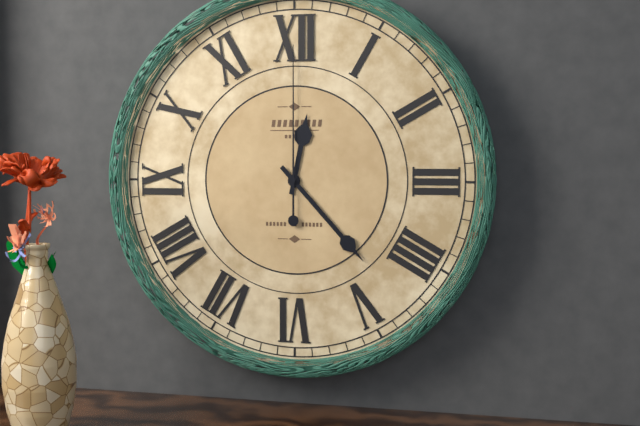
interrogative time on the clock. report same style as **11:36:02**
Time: **12:23:00**
